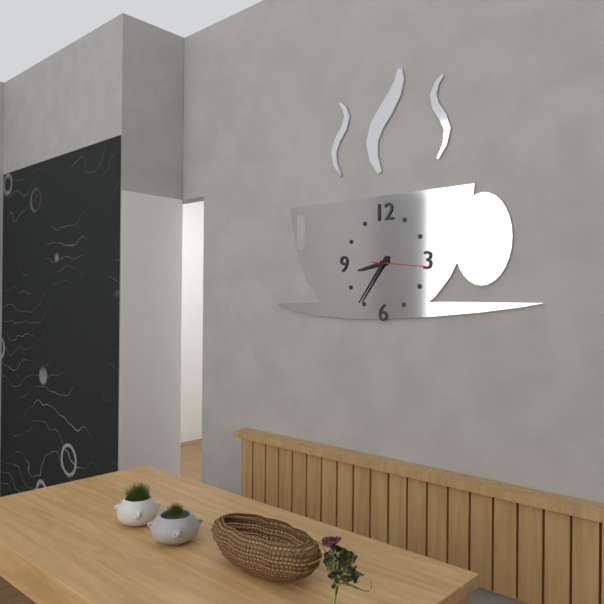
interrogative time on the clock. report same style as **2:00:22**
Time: **8:36:16**
